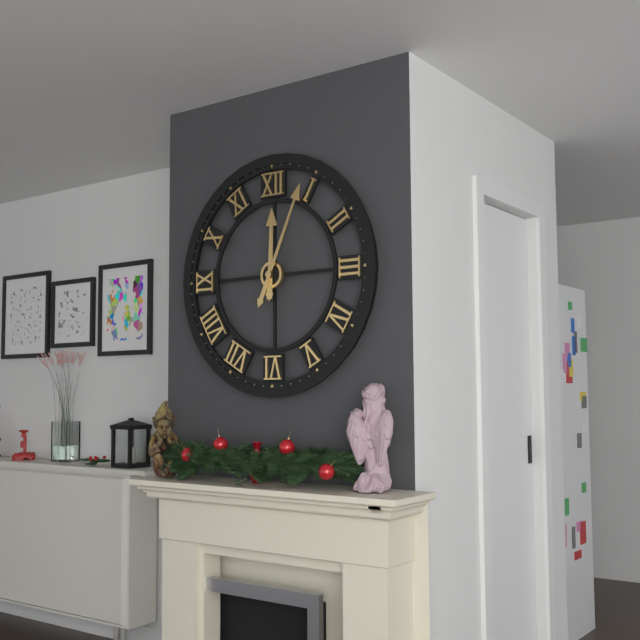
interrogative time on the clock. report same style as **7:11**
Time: **12:04**
